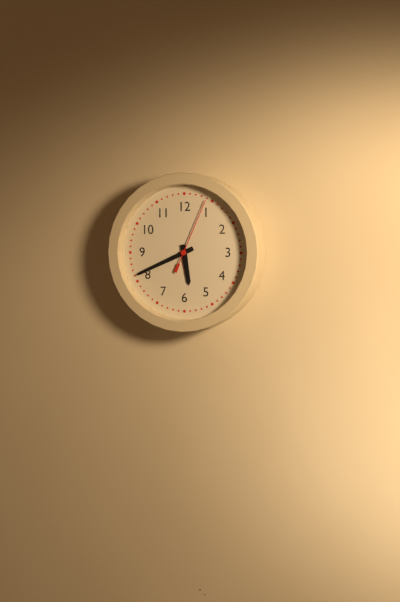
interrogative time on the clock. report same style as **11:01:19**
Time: **5:41:04**
